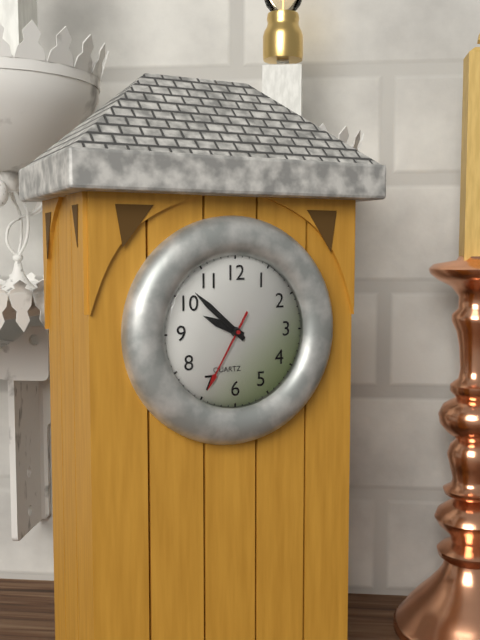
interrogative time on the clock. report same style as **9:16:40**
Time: **9:52:35**
